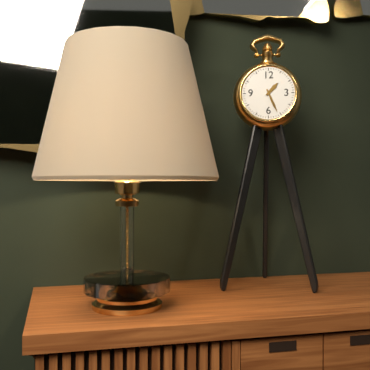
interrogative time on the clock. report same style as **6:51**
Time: **1:26**
